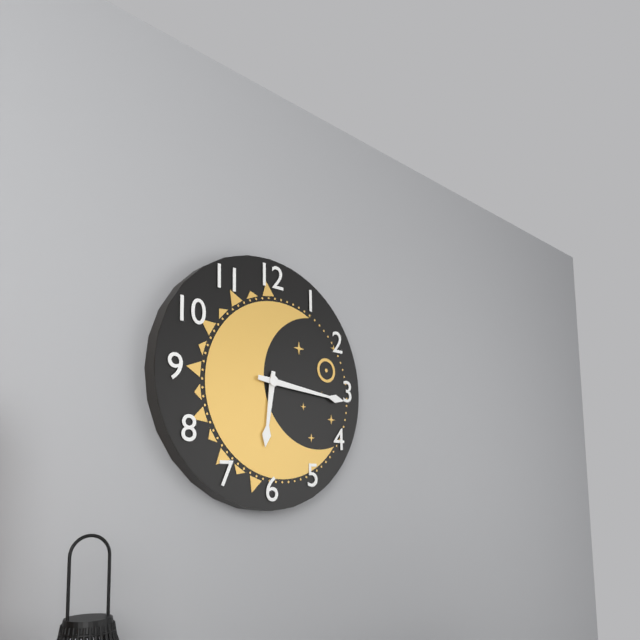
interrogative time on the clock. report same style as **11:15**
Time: **6:16**
